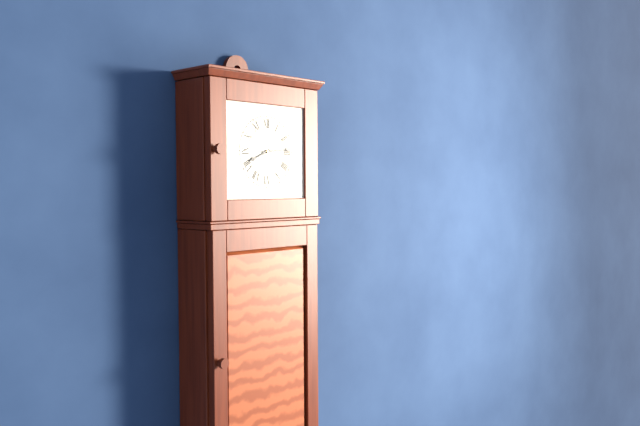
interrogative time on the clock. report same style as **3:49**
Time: **8:14**
